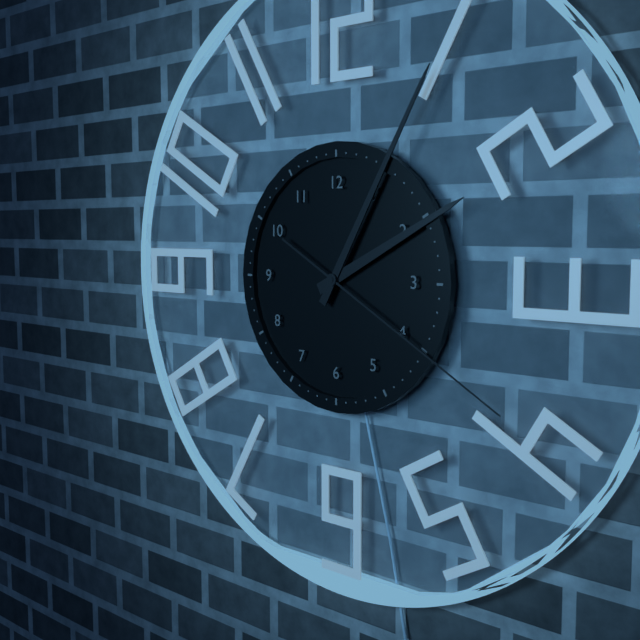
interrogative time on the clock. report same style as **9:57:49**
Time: **2:05:20**
